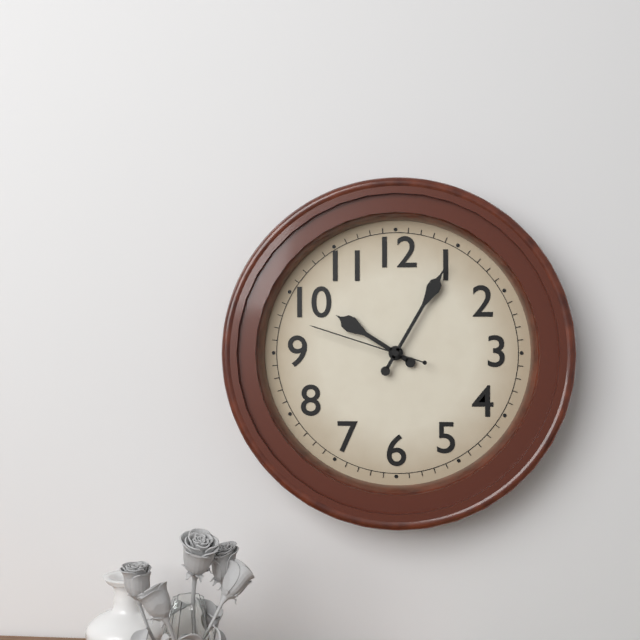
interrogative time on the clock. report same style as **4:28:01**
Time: **10:05:48**
